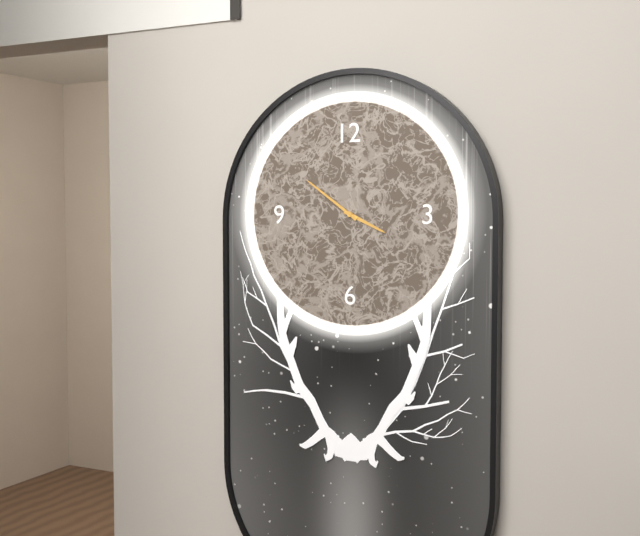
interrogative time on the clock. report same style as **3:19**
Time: **3:51**
